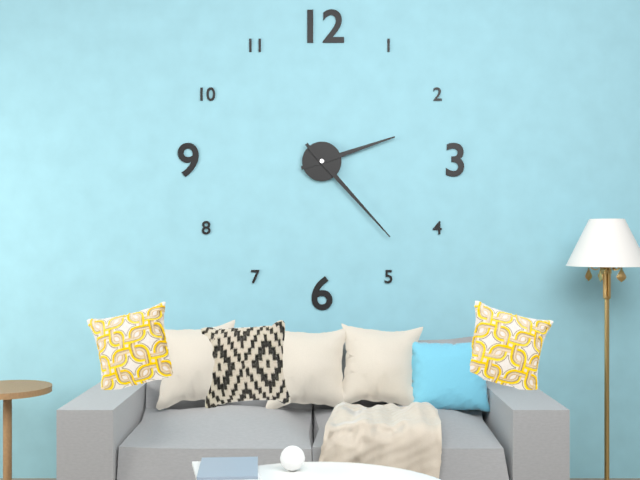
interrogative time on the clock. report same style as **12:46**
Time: **2:23**
